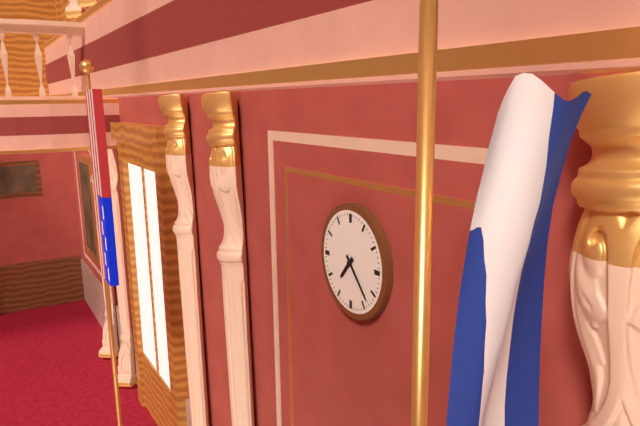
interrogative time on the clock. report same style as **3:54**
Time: **7:23**
